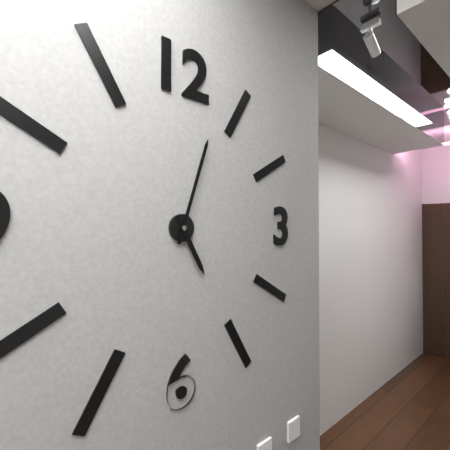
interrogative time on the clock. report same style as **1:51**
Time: **5:03**
